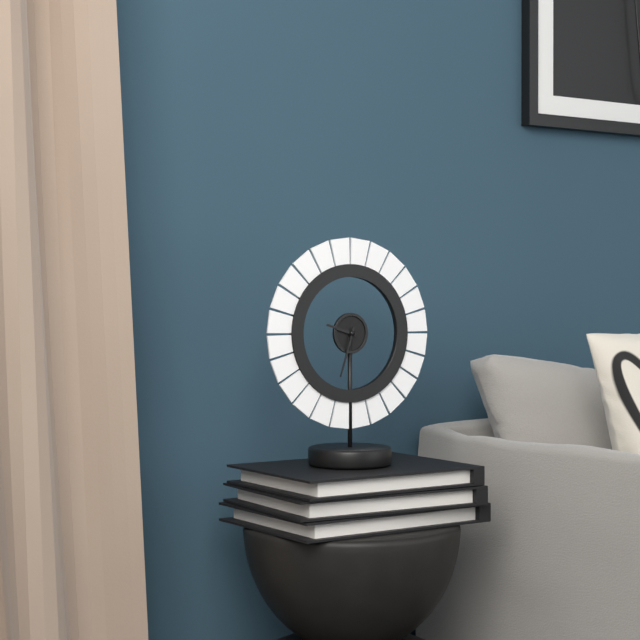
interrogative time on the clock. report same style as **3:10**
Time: **9:33**
